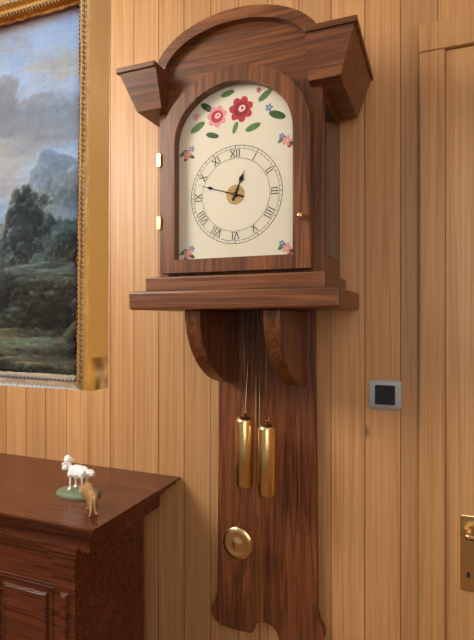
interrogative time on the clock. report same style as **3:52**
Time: **12:48**
